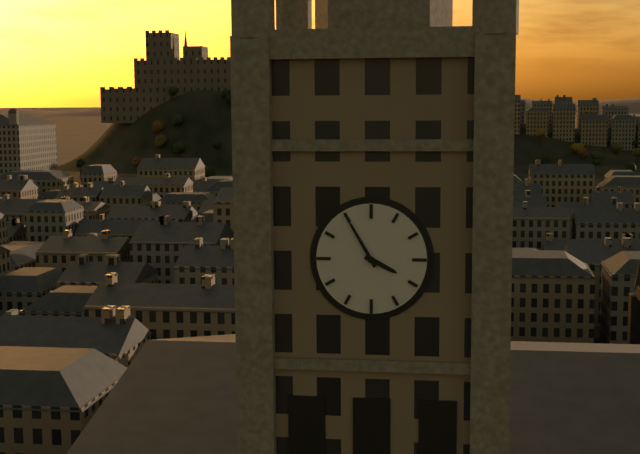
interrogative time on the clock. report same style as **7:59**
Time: **3:55**
